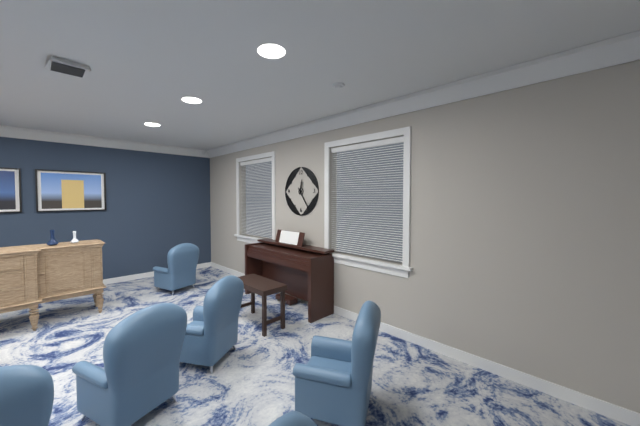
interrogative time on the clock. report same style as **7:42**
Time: **12:24**
